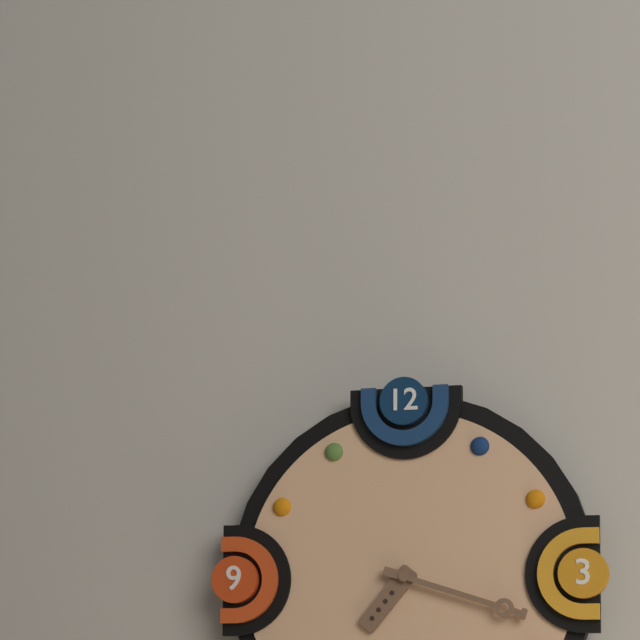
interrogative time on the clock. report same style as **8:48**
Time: **7:18**
